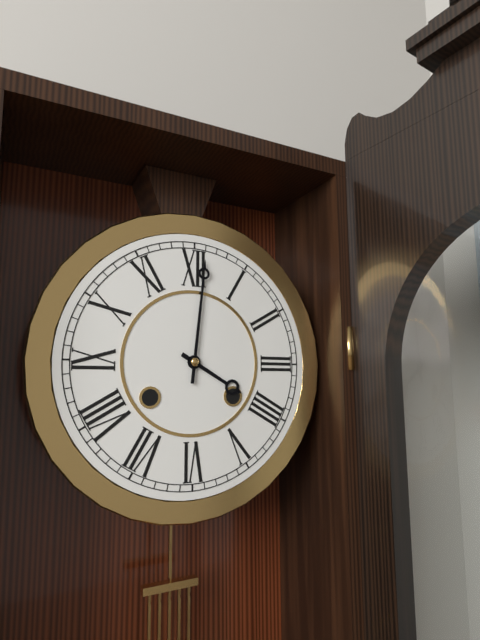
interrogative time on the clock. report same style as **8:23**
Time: **4:01**
